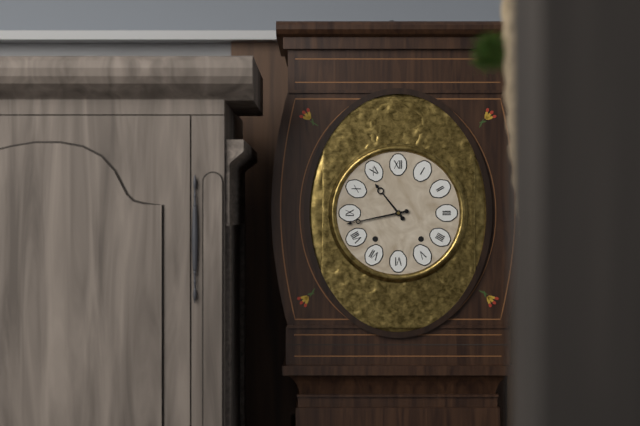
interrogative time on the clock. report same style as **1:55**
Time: **10:43**
